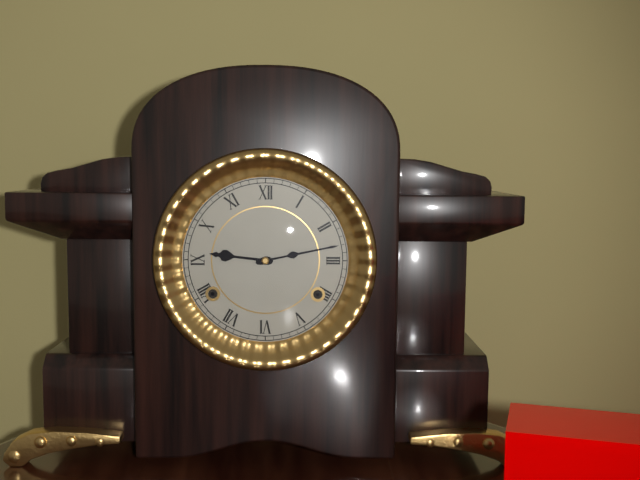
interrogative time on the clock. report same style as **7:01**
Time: **9:13**
